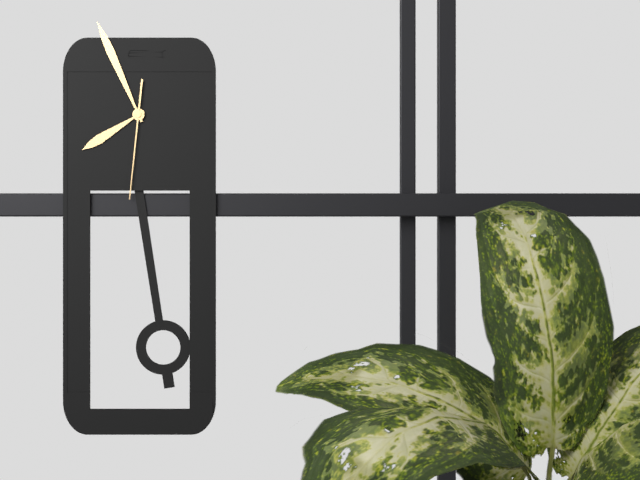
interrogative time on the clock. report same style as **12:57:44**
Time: **7:56:31**
